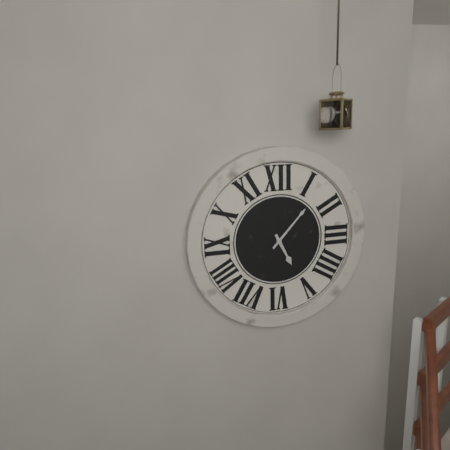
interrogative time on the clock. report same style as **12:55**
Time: **5:07**
